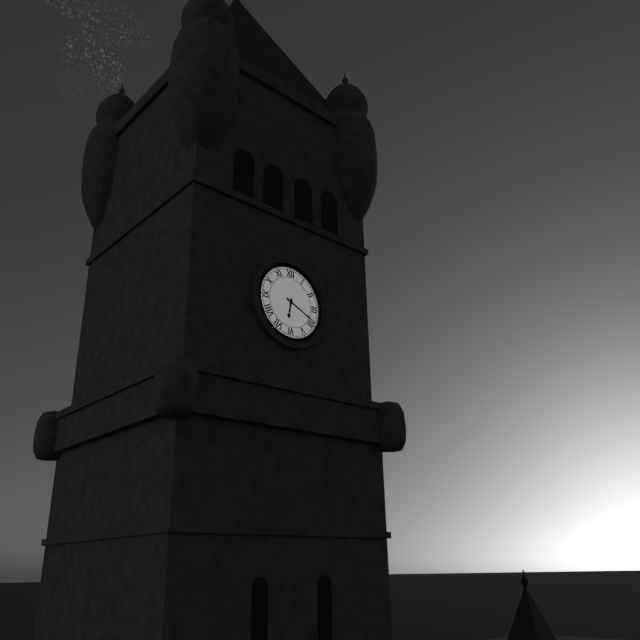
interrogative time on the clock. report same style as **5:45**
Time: **6:19**
